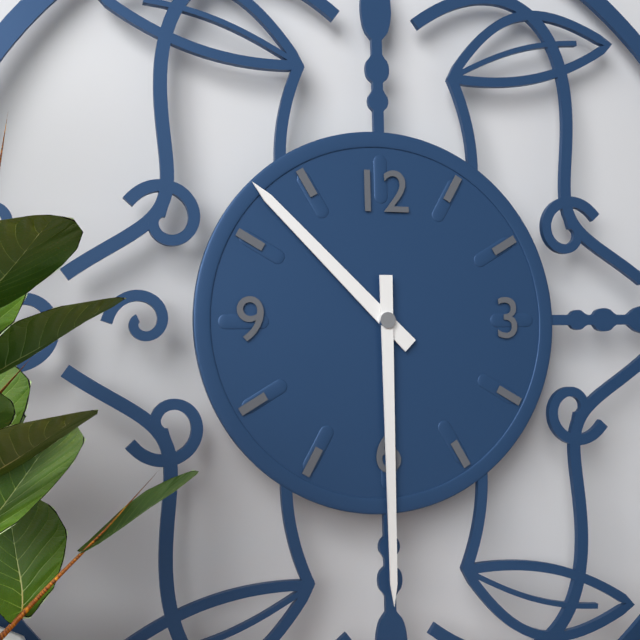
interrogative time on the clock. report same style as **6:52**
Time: **10:30**
